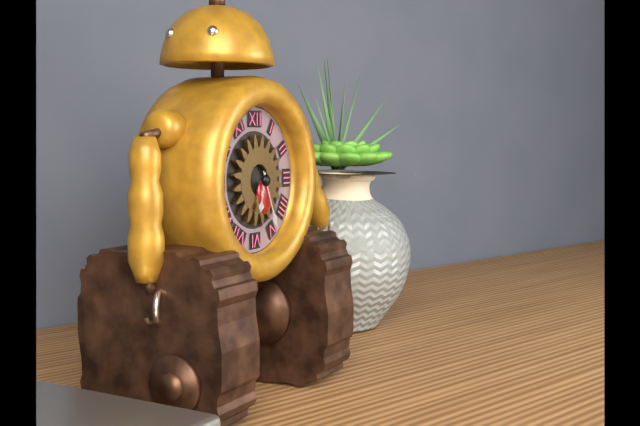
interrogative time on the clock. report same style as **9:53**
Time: **6:26**
